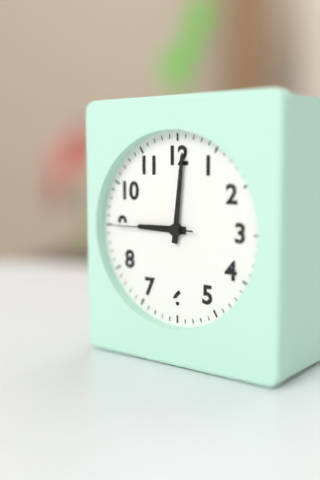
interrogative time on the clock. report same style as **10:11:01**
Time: **9:01:45**
